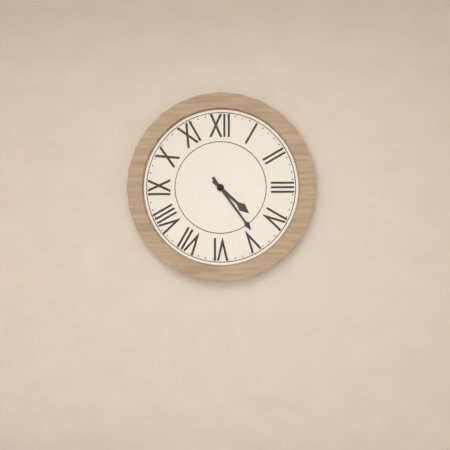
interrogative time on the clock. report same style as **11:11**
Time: **4:24**
